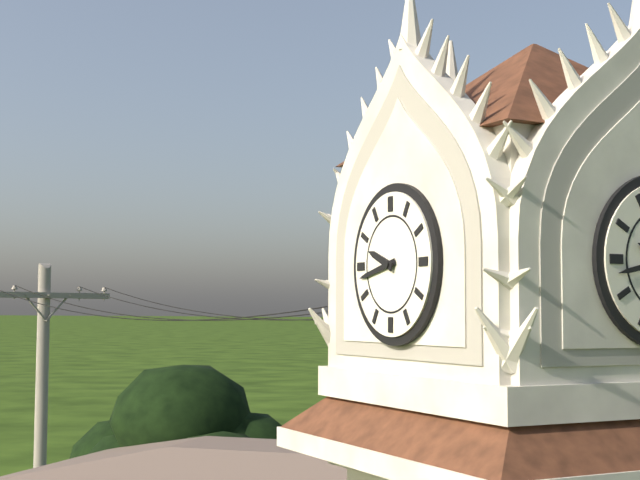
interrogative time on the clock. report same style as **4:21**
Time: **9:43**
